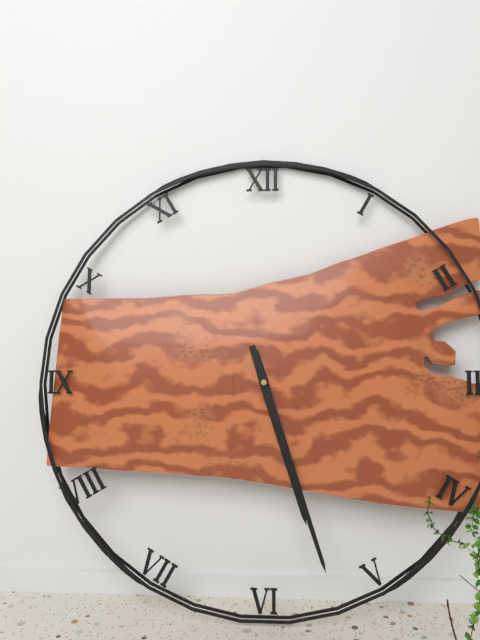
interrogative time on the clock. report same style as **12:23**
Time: **5:27**
